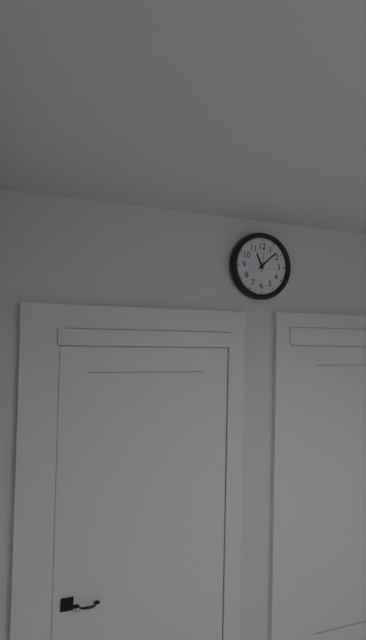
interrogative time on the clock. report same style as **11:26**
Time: **11:08**
